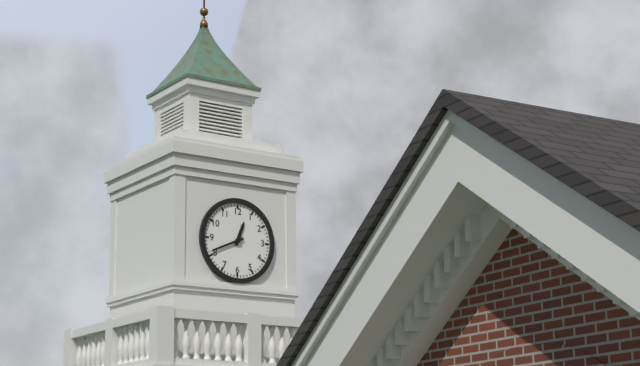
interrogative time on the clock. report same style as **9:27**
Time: **12:41**
